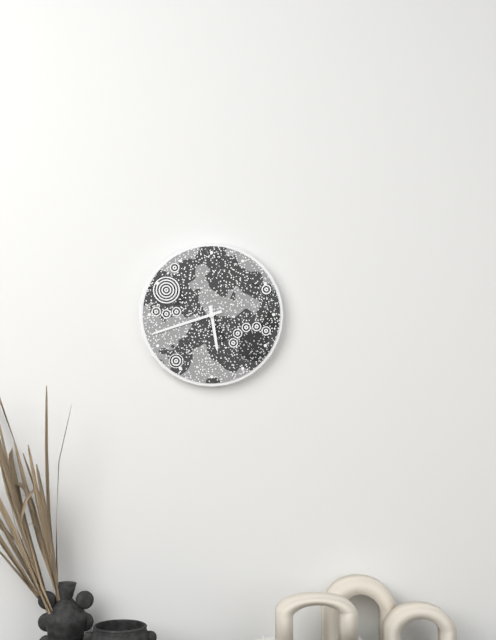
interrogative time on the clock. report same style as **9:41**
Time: **5:42**
